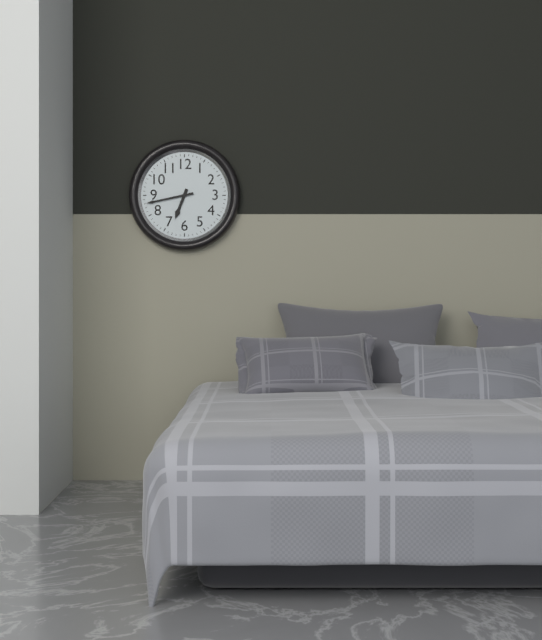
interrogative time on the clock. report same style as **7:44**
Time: **6:43**
